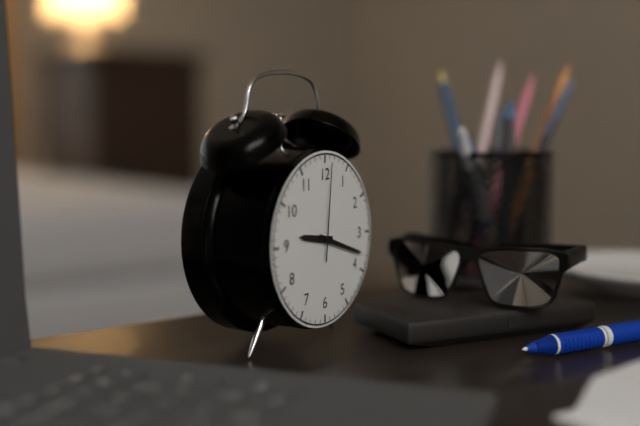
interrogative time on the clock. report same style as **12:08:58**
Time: **9:18:01**
